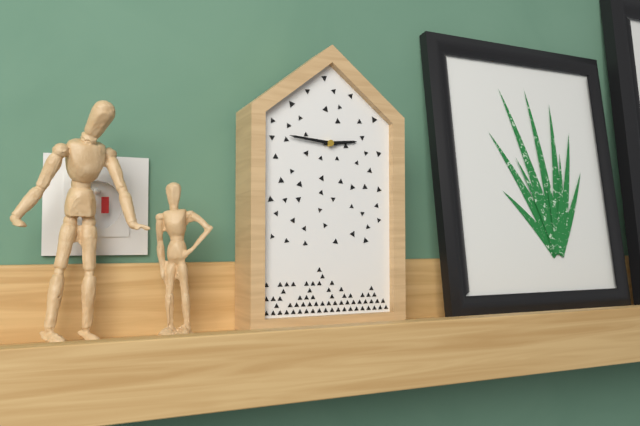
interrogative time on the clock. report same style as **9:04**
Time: **2:46**
